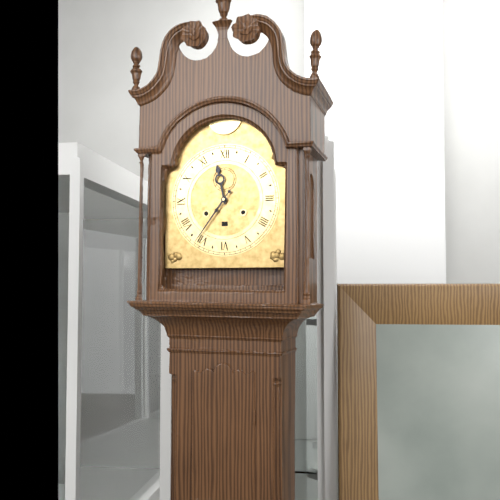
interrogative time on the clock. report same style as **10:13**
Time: **11:36**
